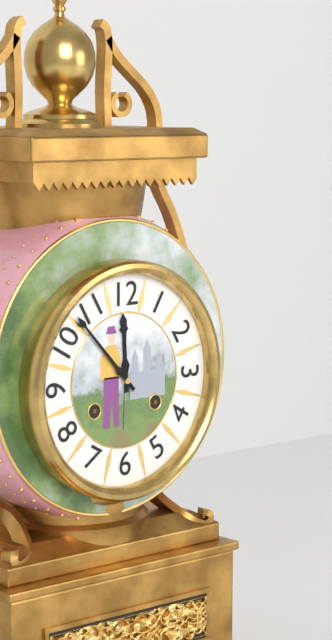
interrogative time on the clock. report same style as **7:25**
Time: **11:53**
